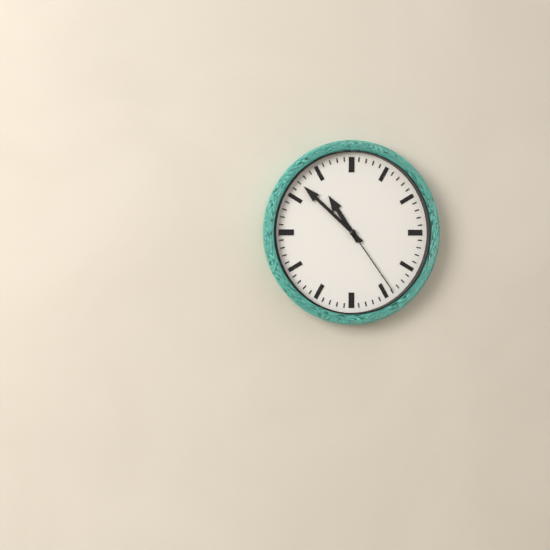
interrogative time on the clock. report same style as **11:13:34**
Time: **10:52:24**
